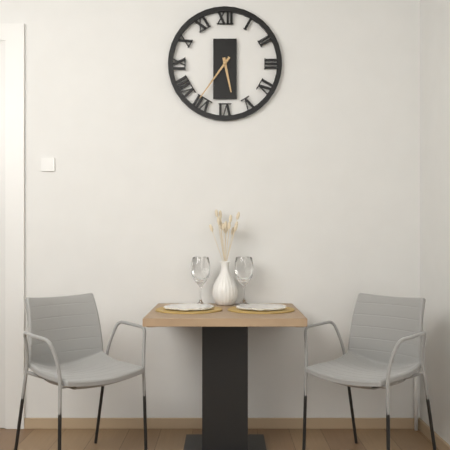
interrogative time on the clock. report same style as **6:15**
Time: **5:36**
